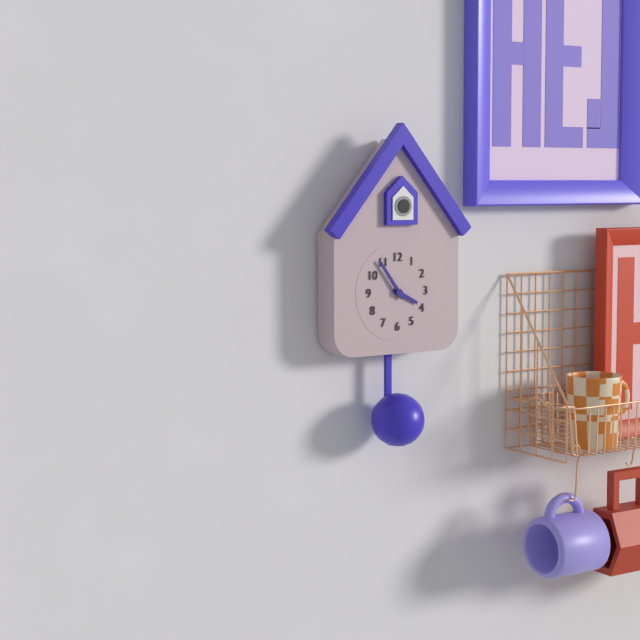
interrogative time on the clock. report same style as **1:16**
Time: **3:54**
